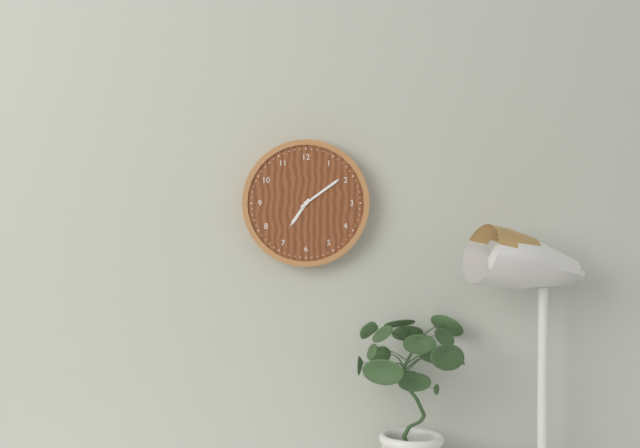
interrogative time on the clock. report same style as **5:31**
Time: **7:09**
